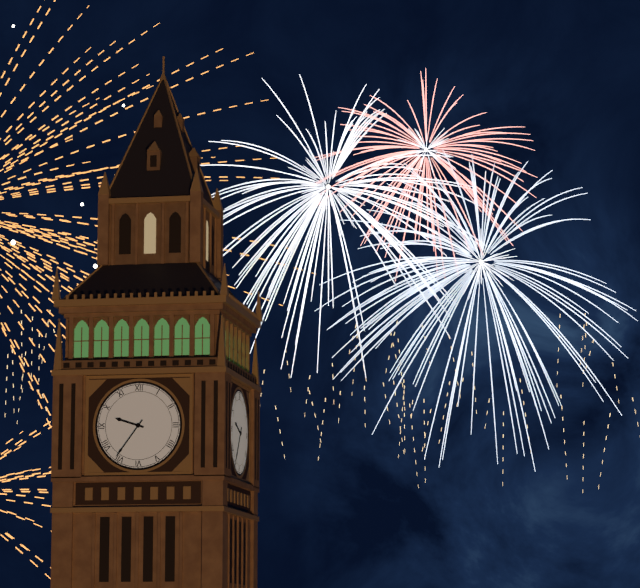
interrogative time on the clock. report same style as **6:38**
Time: **9:36**
